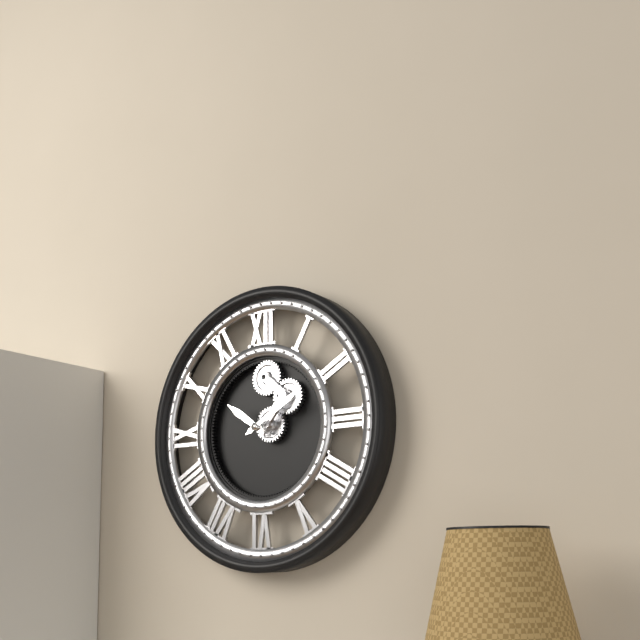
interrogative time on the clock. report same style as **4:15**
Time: **10:10**
